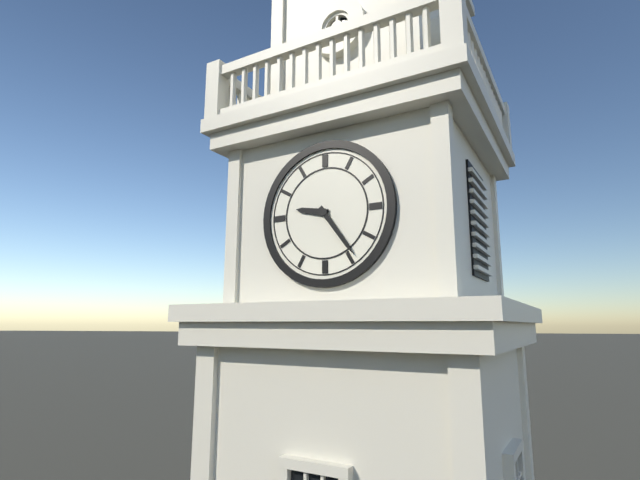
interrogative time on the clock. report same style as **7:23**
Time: **9:24**
